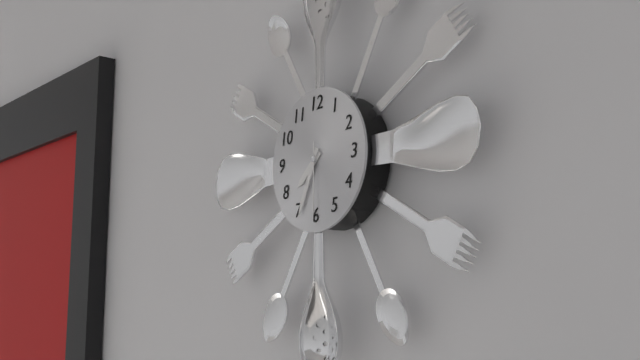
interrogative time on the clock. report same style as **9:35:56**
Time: **7:34:30**
